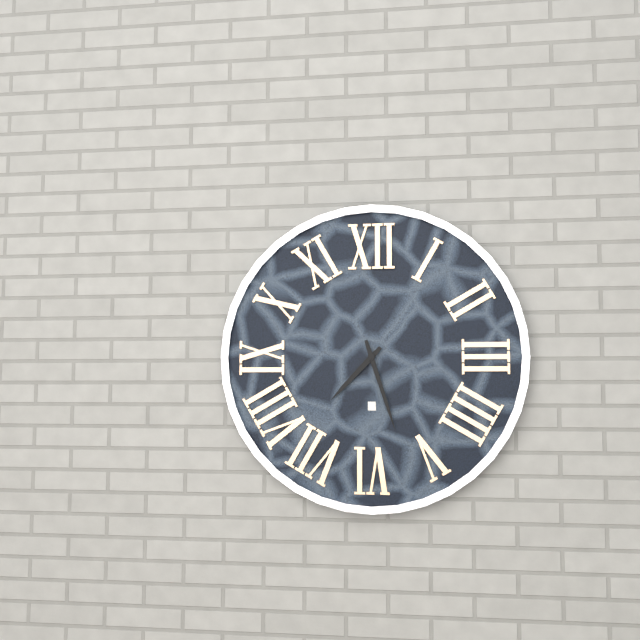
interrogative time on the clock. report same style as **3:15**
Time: **7:27**
